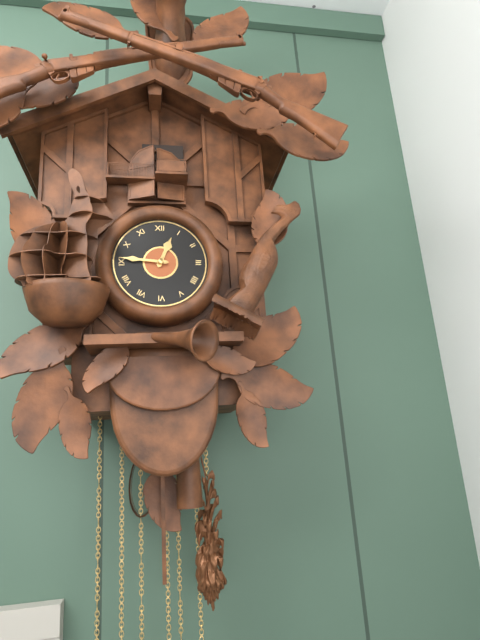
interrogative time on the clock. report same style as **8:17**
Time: **12:46**
